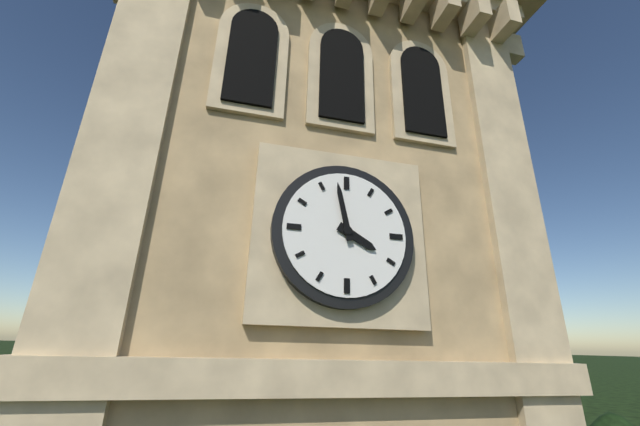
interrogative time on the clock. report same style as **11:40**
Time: **3:58**
